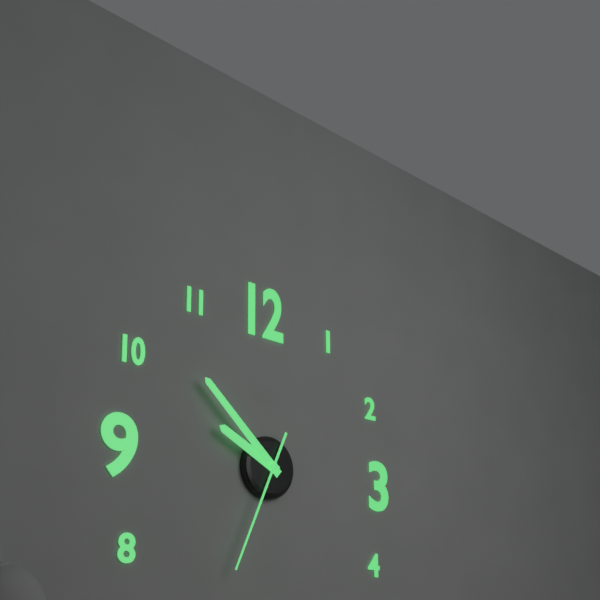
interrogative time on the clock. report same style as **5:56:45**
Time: **9:52:34**
